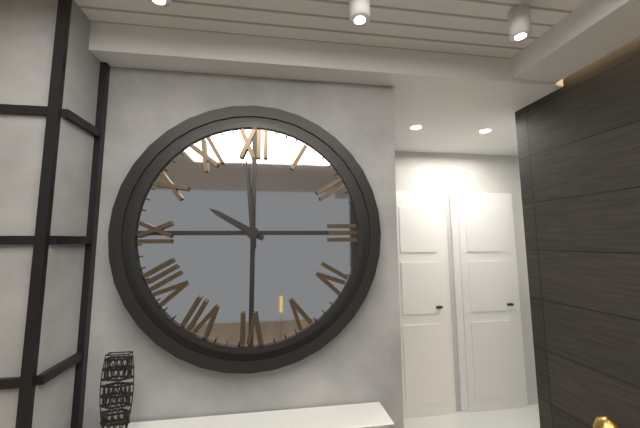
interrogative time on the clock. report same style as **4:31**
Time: **9:59**
